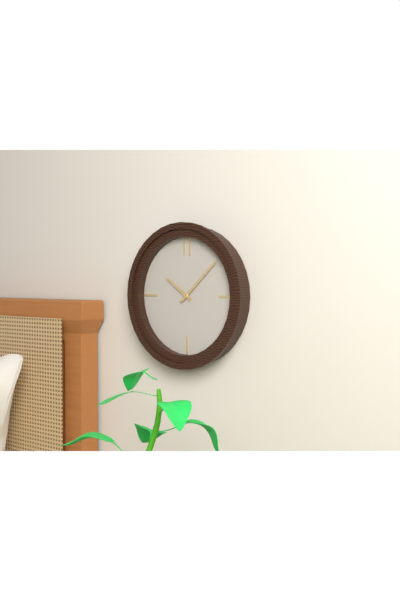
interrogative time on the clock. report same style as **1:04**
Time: **10:08**
